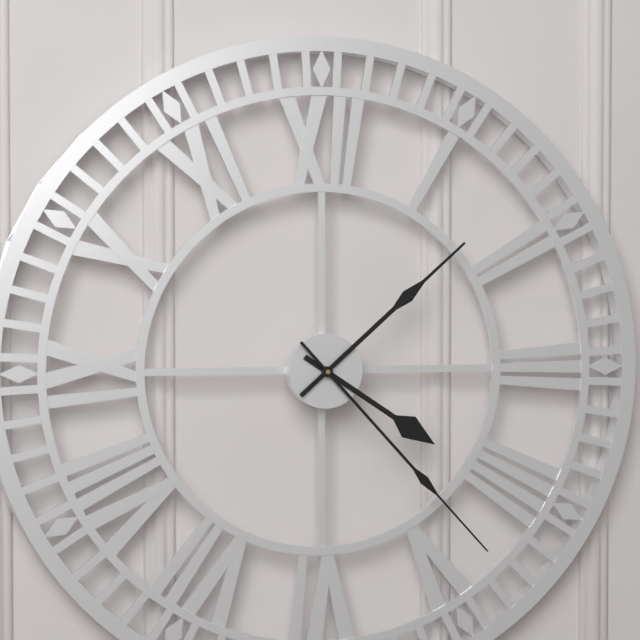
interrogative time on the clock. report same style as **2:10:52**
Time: **4:08:23**
